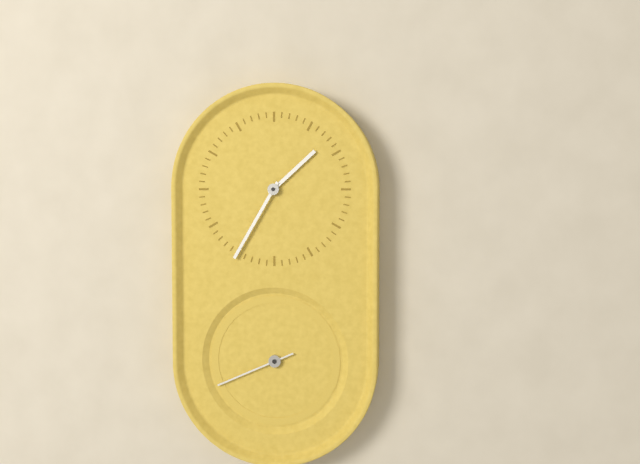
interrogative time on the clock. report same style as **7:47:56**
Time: **1:35:41**
